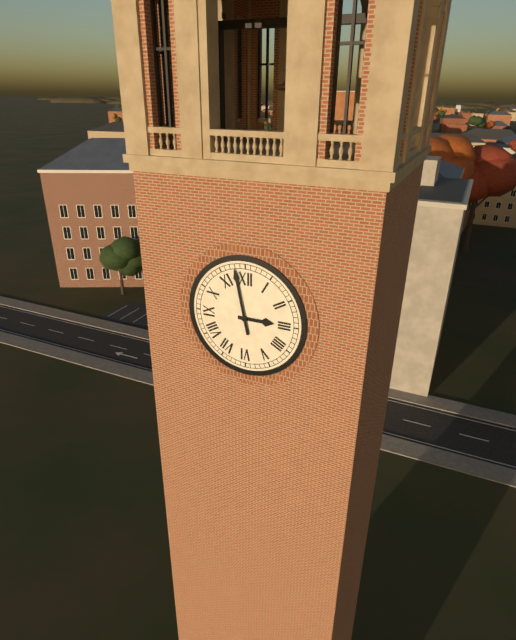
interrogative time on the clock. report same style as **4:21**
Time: **2:58**
